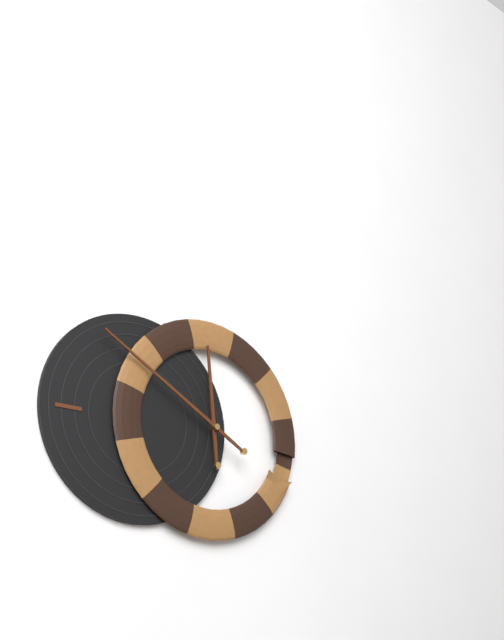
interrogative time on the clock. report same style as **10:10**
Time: **11:50**
